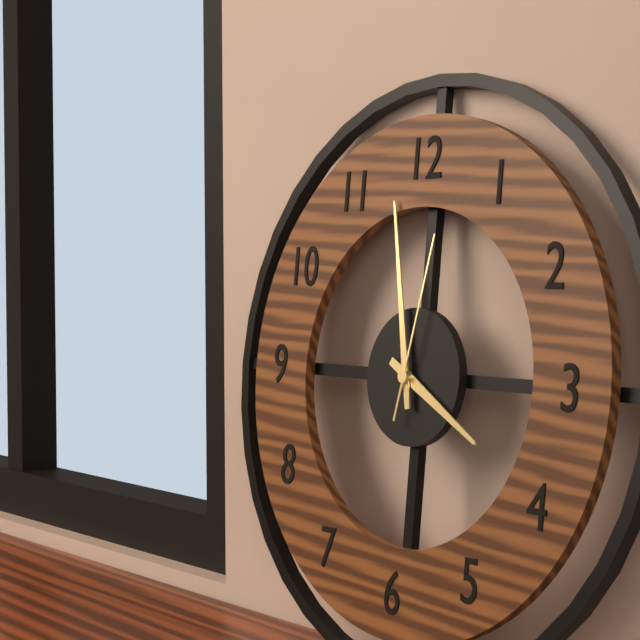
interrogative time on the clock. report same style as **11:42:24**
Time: **3:58:02**
